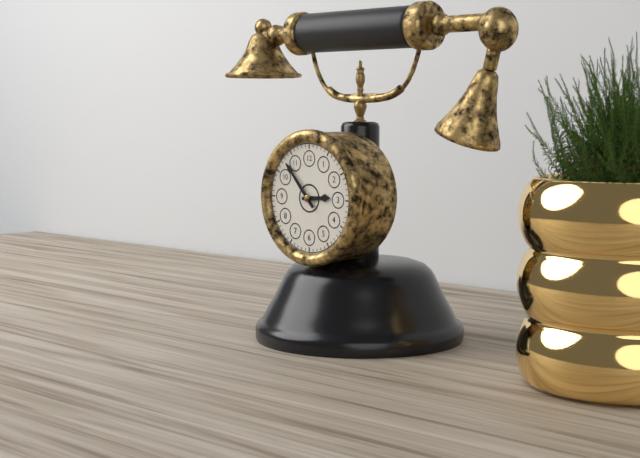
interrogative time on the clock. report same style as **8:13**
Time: **2:53**
